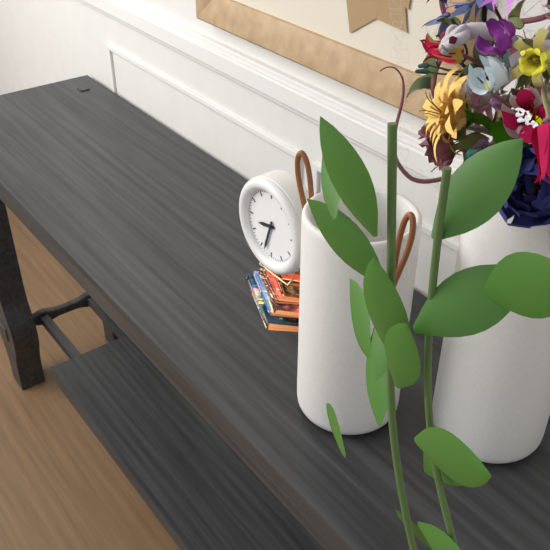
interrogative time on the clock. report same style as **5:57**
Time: **8:33**
